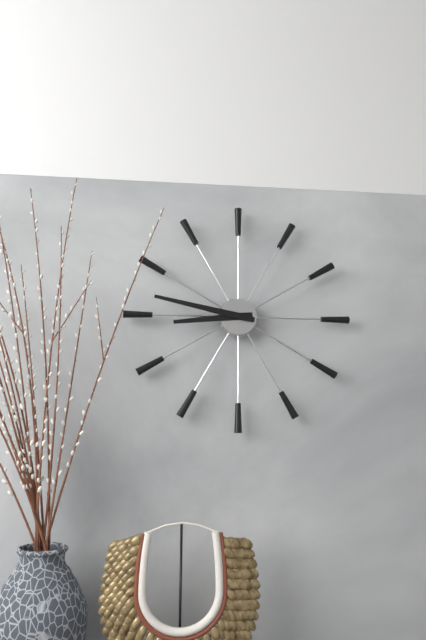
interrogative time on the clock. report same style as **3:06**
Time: **8:47**
